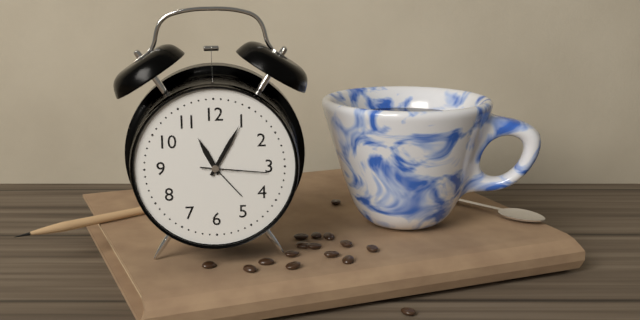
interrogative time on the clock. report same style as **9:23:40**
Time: **11:05:16**
